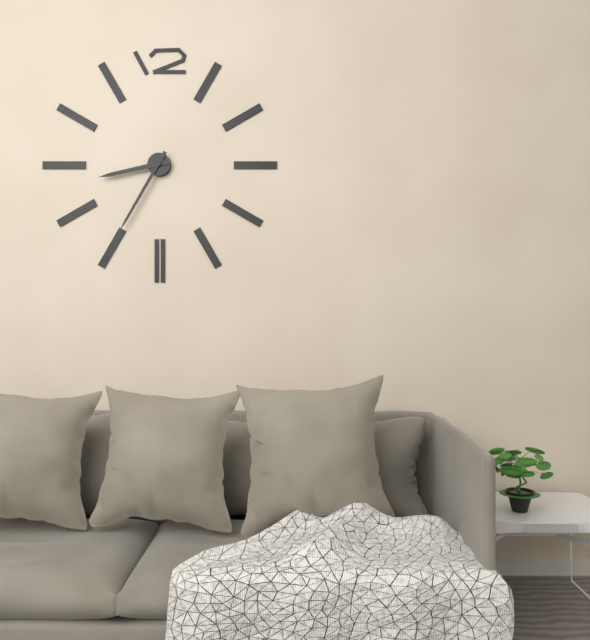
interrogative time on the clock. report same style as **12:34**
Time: **8:35**
